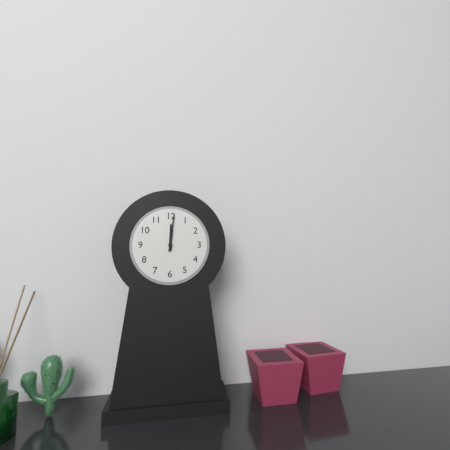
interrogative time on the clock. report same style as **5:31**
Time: **12:01**
